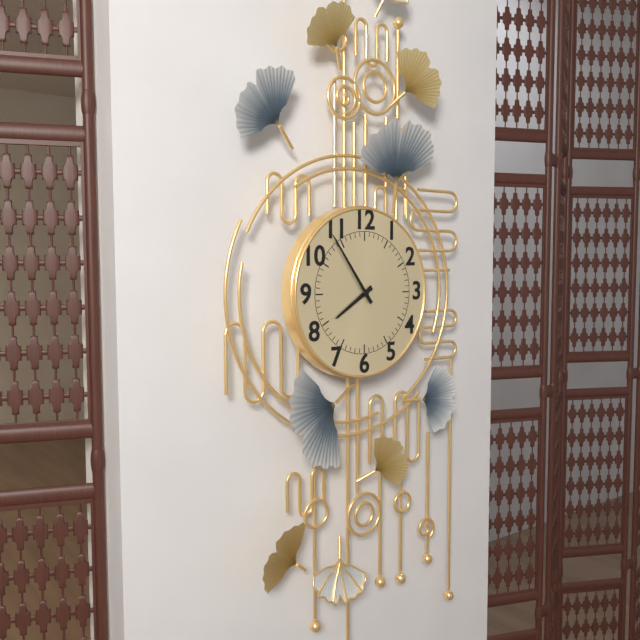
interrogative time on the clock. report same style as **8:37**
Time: **7:54**
